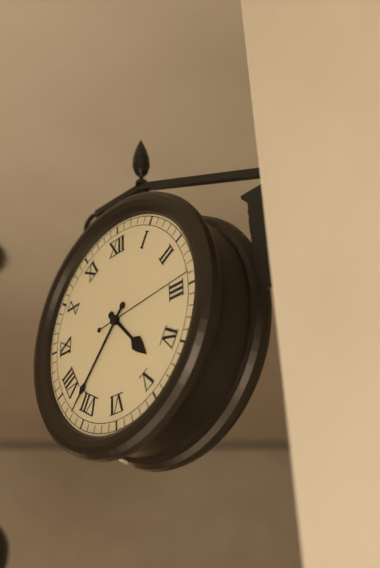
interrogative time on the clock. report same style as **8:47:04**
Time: **4:37:14**
